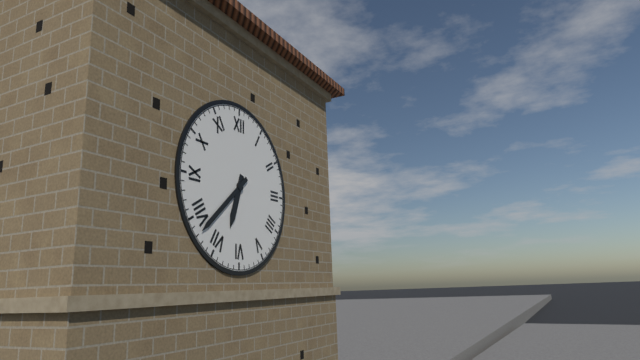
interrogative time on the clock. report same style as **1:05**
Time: **6:38**
